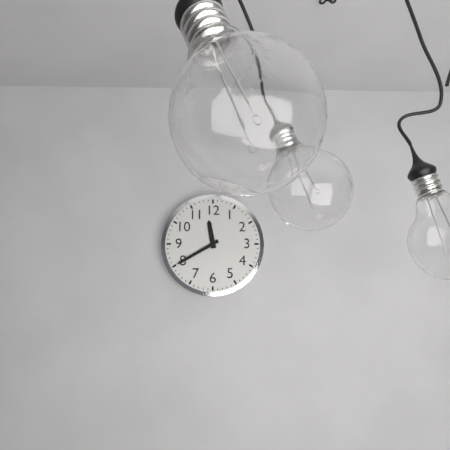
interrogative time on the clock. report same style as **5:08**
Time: **11:40**
